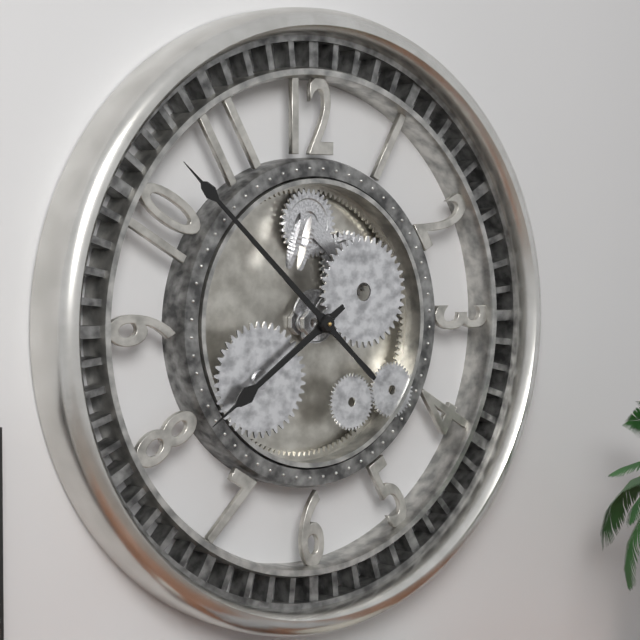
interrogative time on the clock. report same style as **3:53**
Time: **7:52**
